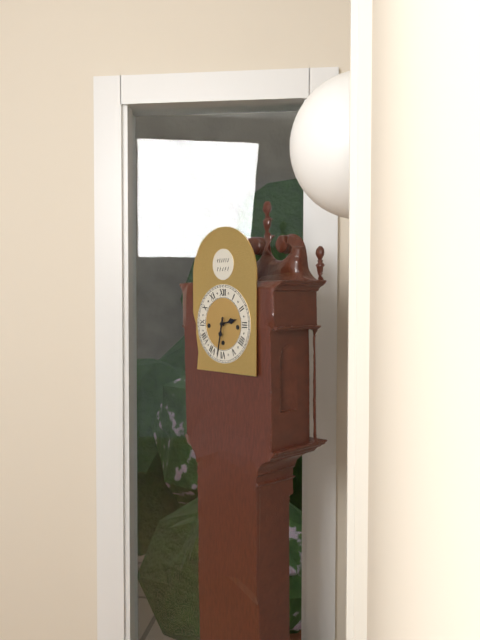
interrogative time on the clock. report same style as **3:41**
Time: **2:32**
